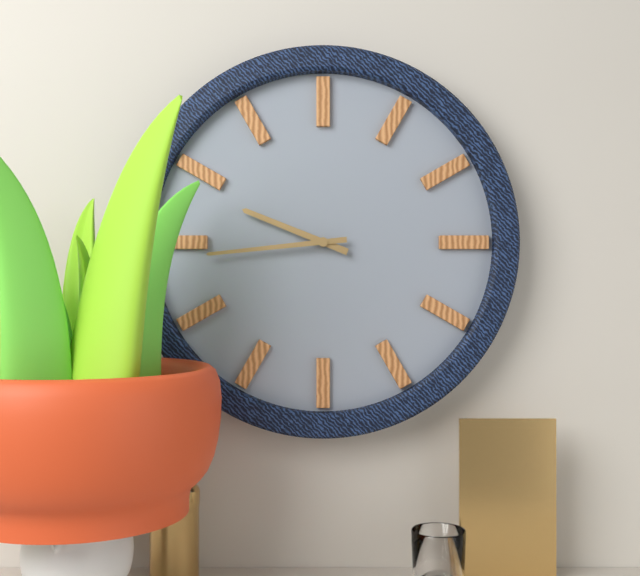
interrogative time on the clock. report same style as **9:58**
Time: **9:44**
